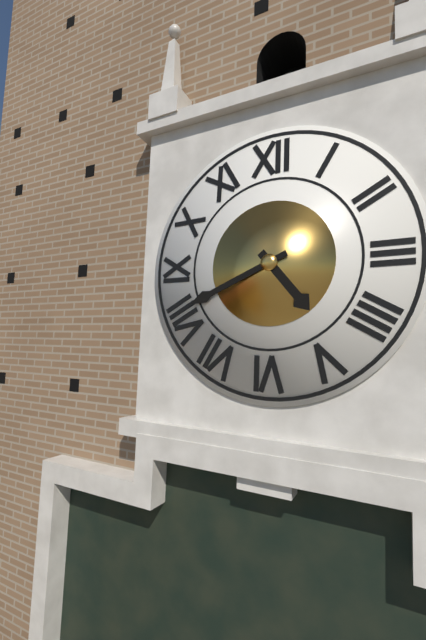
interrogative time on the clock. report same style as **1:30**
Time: **4:41**
